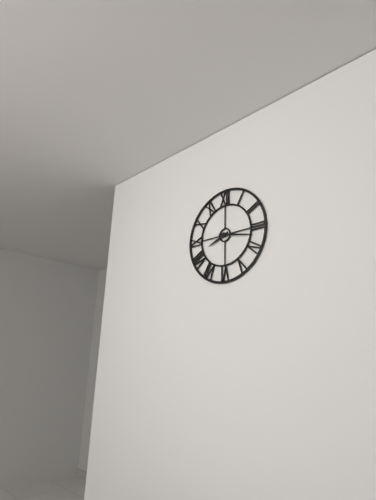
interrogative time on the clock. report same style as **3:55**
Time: **8:17**
